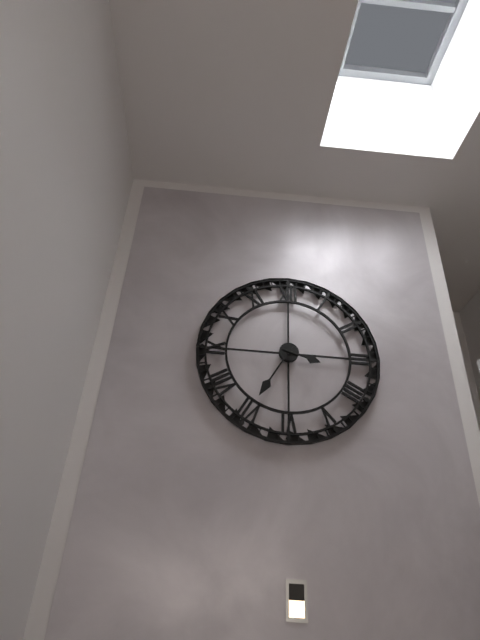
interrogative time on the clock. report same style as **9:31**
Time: **3:35**
